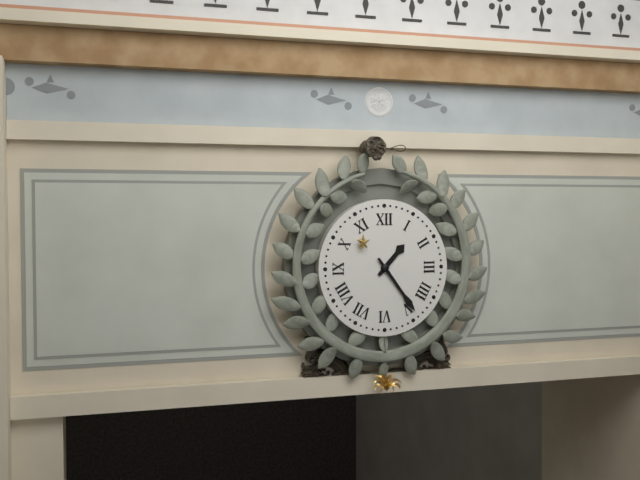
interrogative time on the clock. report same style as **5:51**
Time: **1:24**
